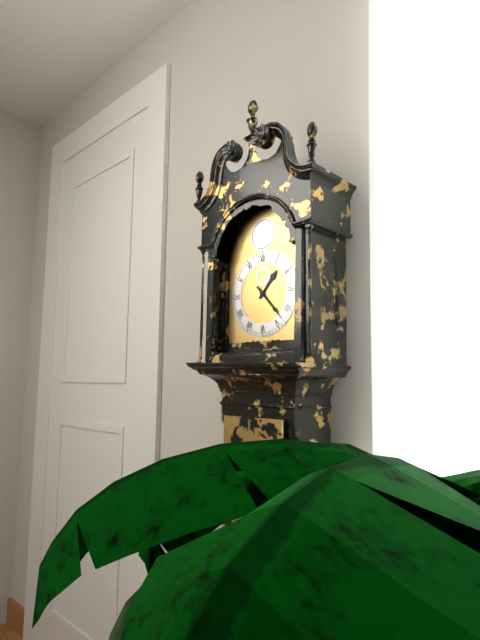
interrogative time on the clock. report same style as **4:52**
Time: **1:23**
